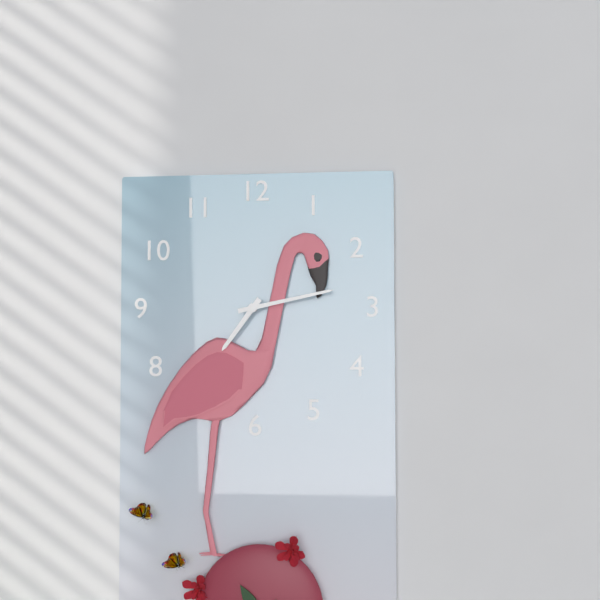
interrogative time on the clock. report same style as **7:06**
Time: **7:13**
